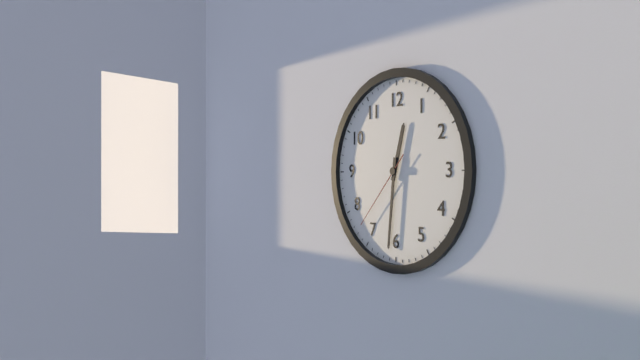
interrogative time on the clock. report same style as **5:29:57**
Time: **12:31:37**
